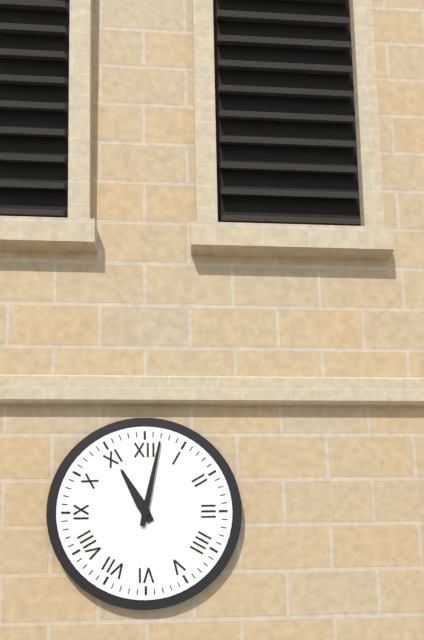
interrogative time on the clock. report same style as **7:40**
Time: **11:02**
